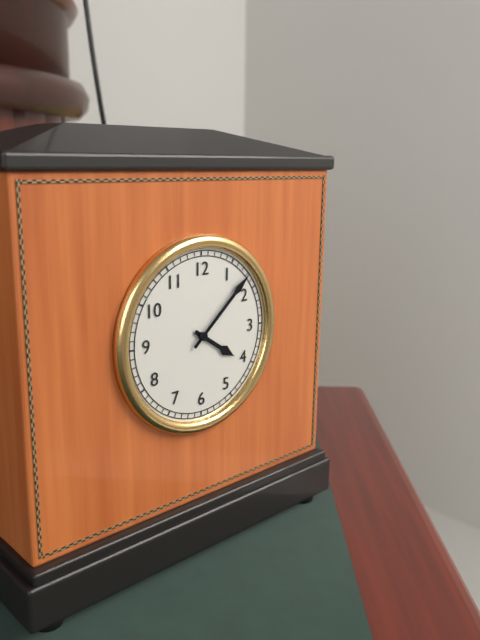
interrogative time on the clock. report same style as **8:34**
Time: **4:08**
